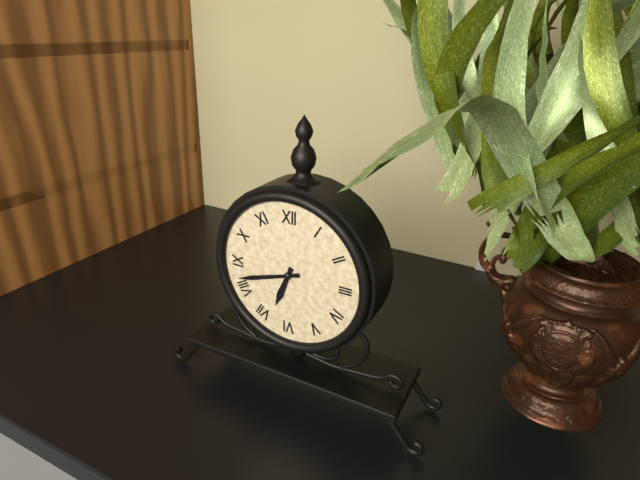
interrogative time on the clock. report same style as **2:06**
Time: **6:42**
